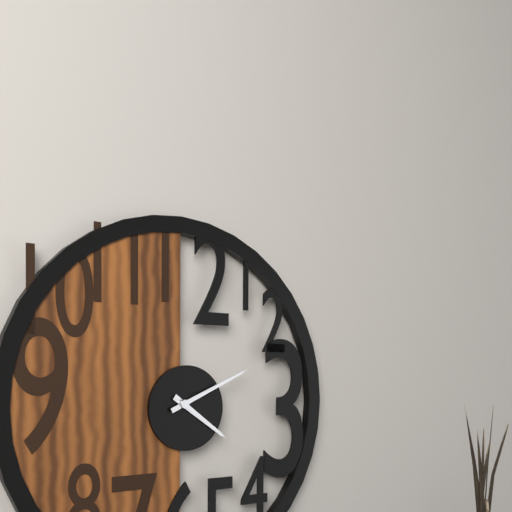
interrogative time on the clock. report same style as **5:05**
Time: **4:11**
